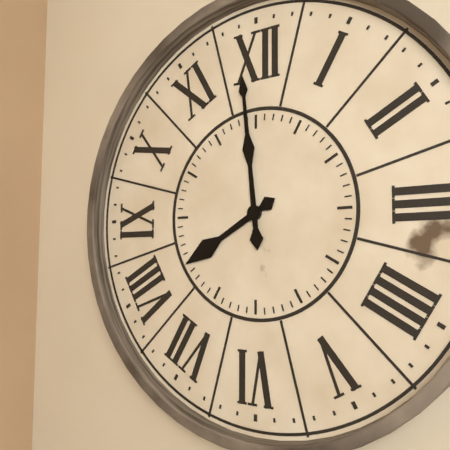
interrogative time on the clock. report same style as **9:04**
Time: **7:59**
